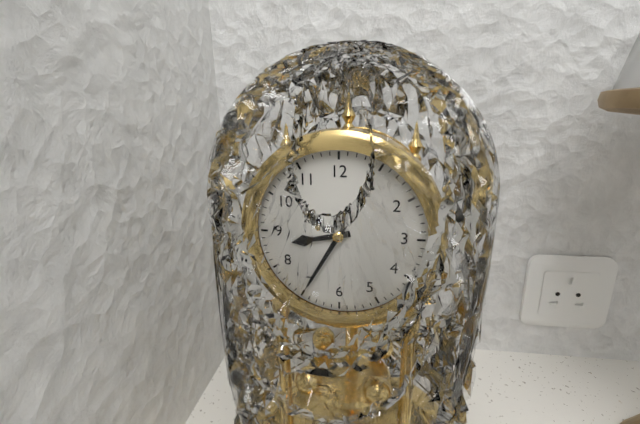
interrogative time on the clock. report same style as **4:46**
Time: **8:35**
